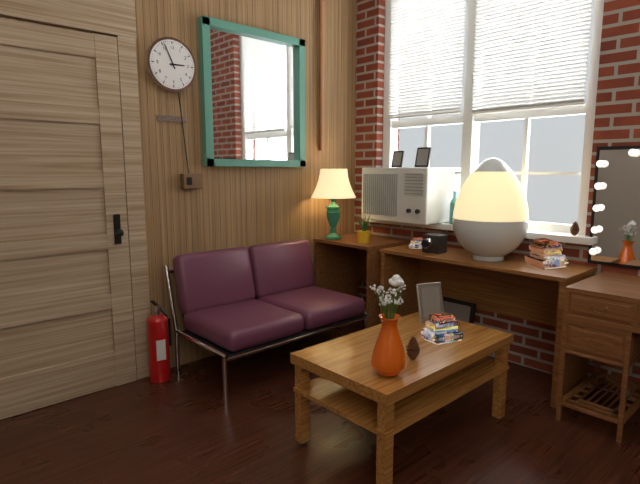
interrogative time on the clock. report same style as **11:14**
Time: **2:56**
